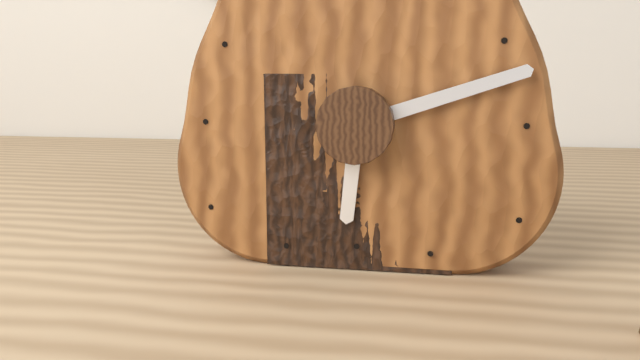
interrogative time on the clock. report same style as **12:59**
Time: **6:12**
